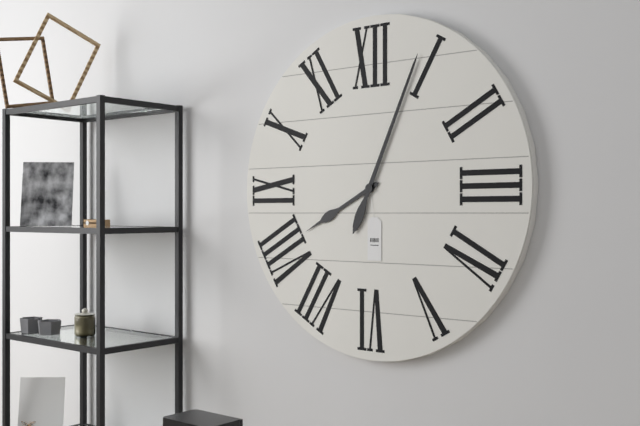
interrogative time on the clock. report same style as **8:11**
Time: **8:04**
